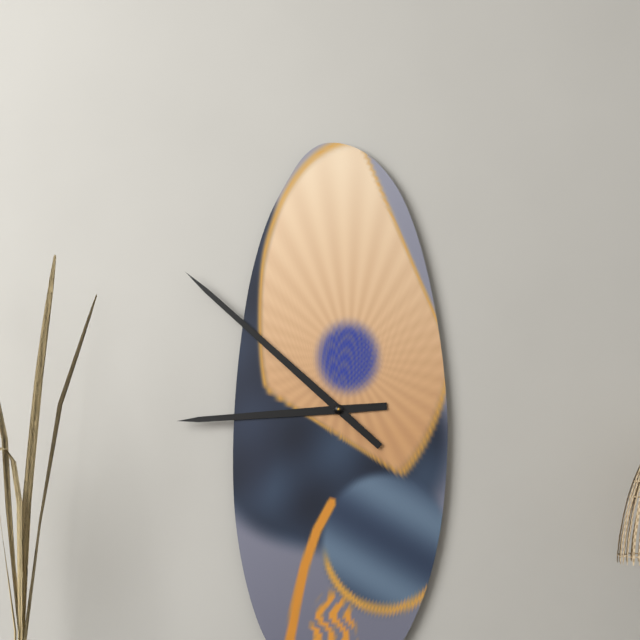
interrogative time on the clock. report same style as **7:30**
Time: **8:52**
